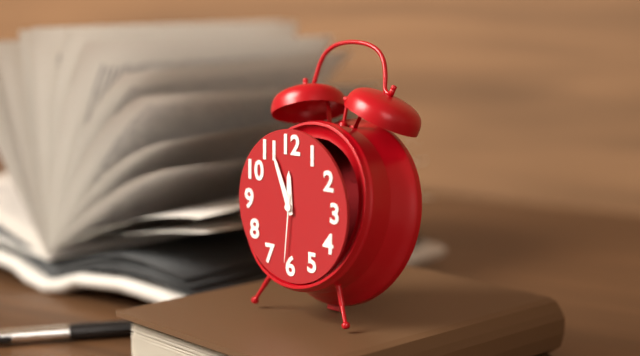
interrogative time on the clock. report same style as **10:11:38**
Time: **11:56:31**
